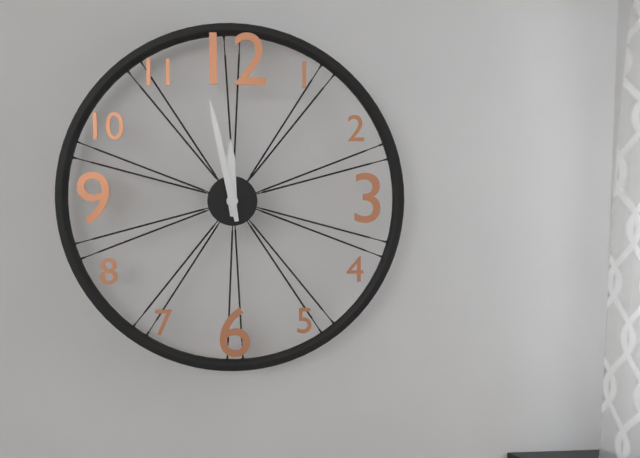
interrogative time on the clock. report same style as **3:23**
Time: **11:58**
